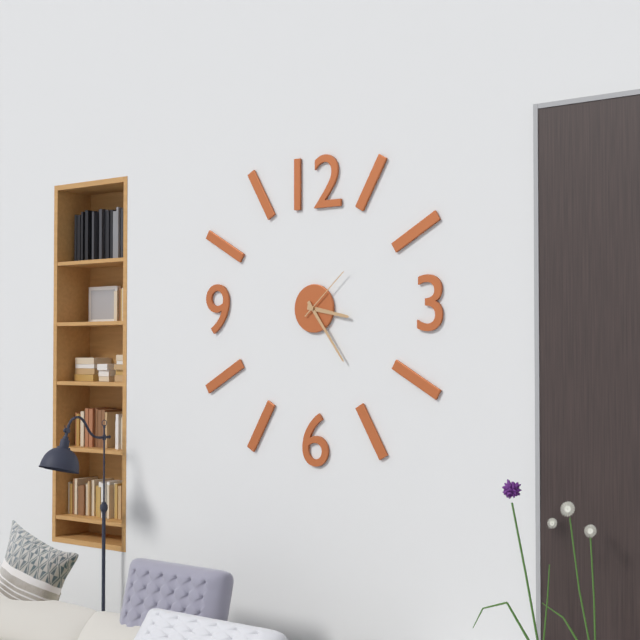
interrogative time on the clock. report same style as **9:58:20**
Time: **3:24:08**
